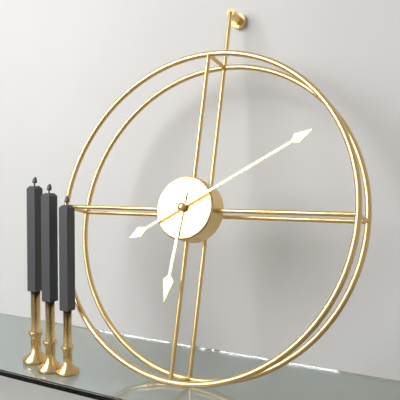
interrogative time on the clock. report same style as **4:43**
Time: **6:10**
